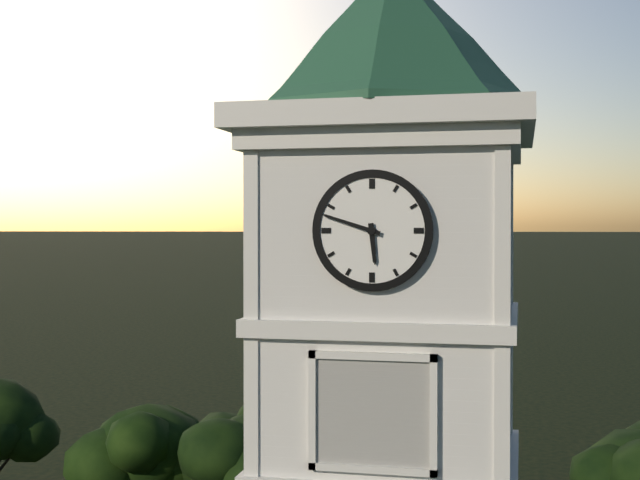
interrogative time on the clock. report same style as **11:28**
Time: **5:48**
